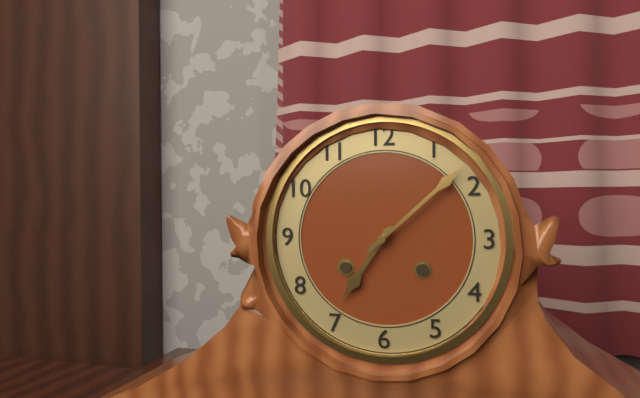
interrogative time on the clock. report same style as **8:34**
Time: **7:08**
